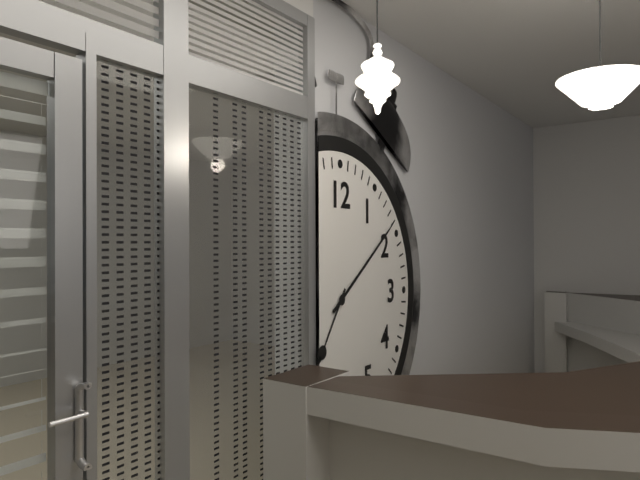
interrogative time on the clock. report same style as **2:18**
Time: **7:09**
